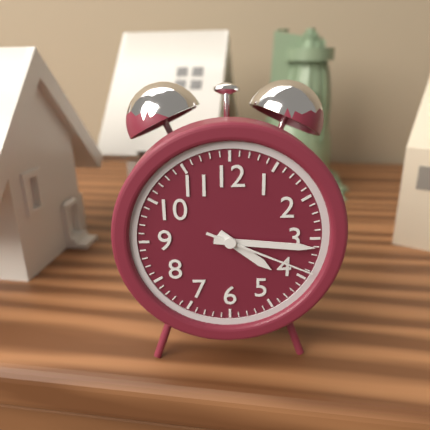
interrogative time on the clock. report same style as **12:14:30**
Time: **4:16:19**
